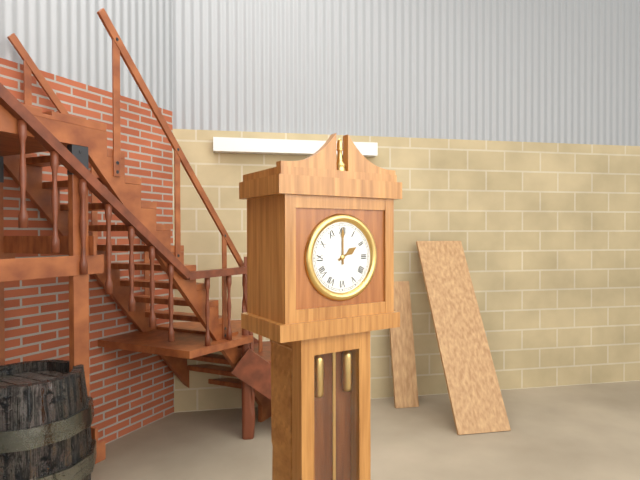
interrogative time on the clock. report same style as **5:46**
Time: **2:00**
